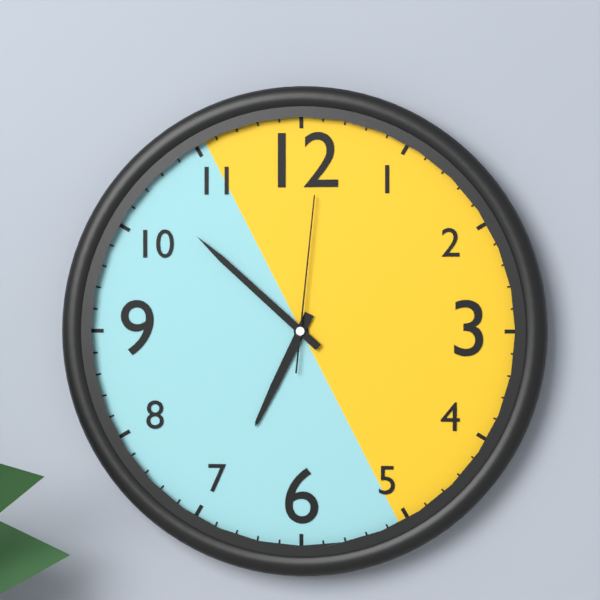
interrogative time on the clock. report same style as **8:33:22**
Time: **6:52:01**
